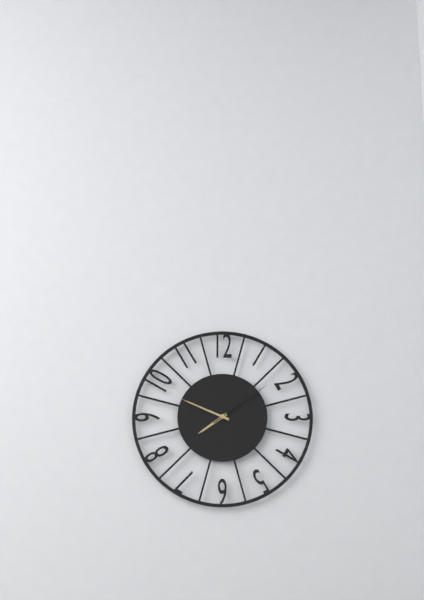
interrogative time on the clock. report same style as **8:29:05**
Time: **7:49:09**
